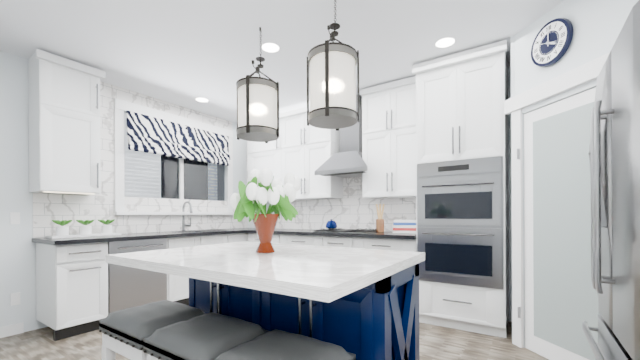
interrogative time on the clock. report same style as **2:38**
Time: **4:00**
